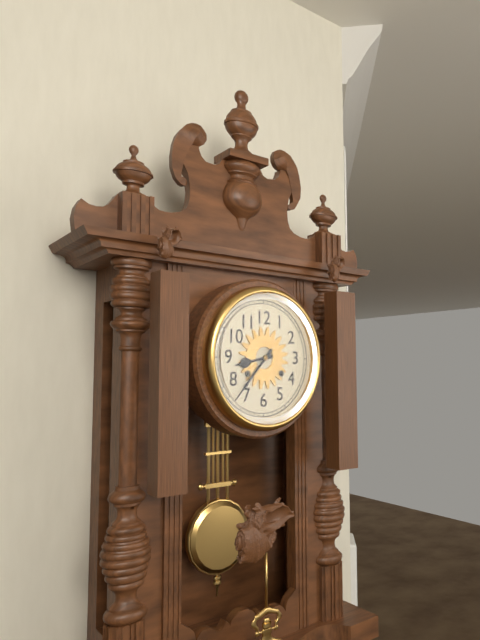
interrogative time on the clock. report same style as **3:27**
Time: **8:37**
